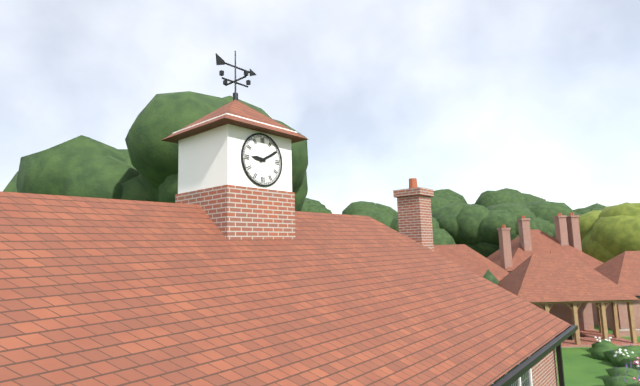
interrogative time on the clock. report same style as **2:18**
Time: **9:10**
